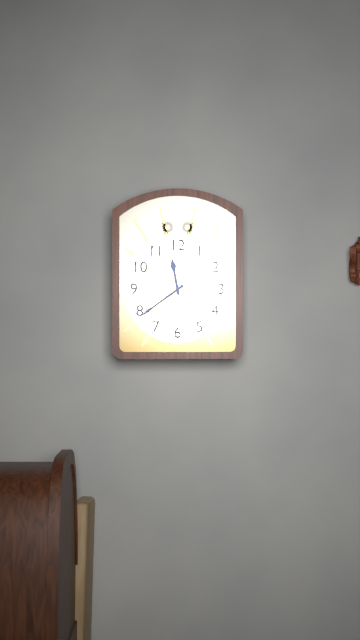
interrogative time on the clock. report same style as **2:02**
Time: **11:39**
